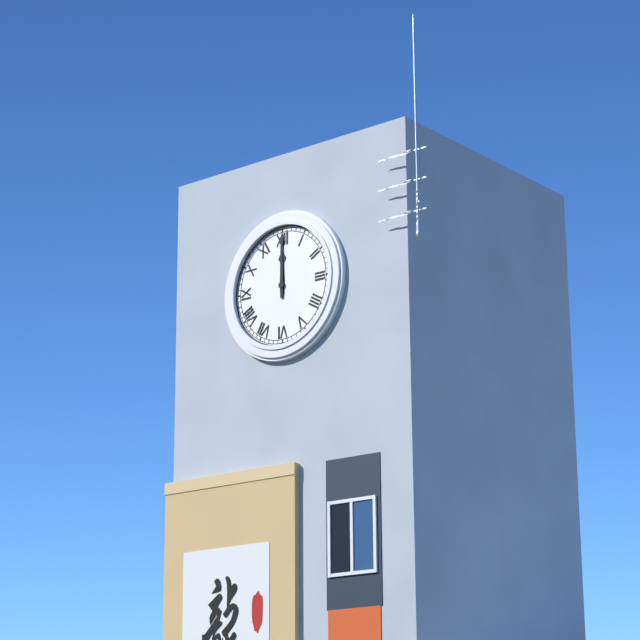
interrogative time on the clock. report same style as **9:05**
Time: **12:00**
